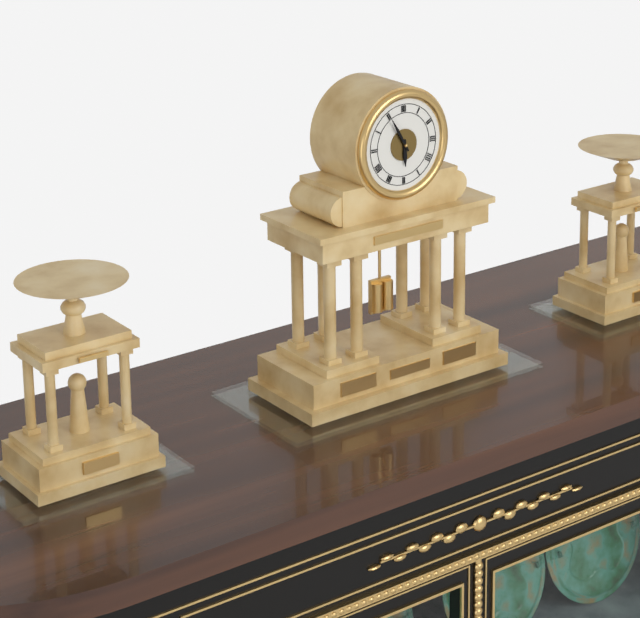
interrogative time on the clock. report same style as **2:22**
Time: **5:55**
